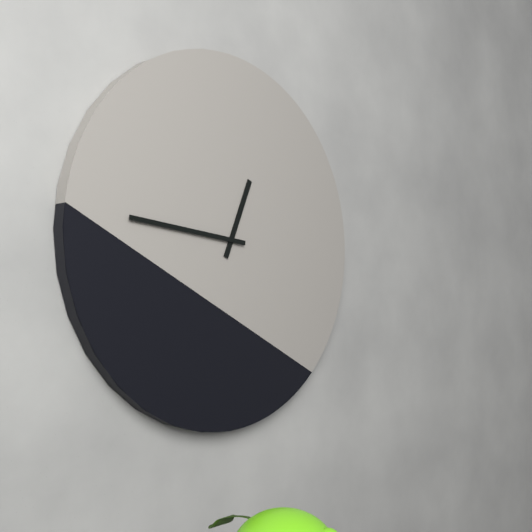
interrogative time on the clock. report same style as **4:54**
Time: **12:46**
